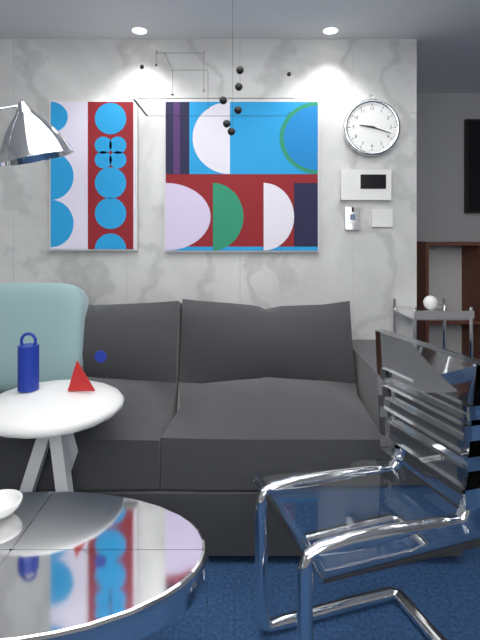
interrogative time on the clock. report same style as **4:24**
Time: **9:18**
